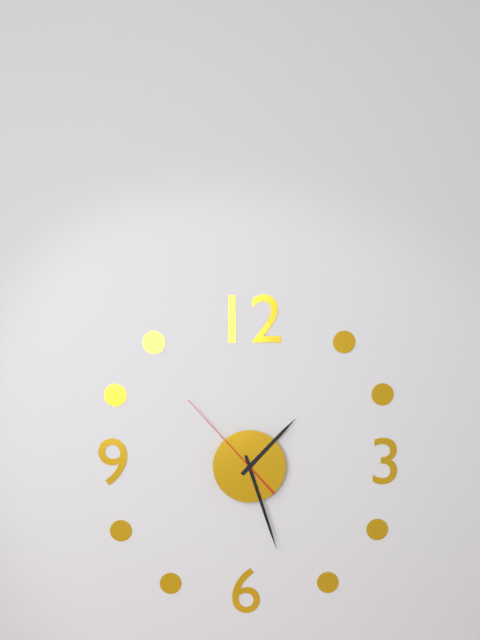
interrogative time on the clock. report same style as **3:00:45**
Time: **1:27:53**
